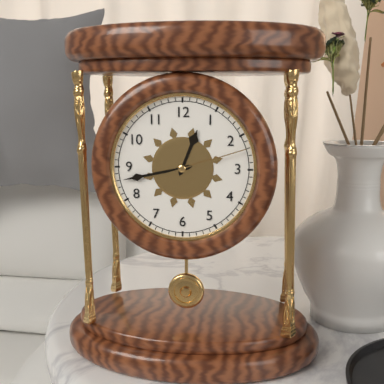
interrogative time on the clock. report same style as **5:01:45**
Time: **12:43:12**
